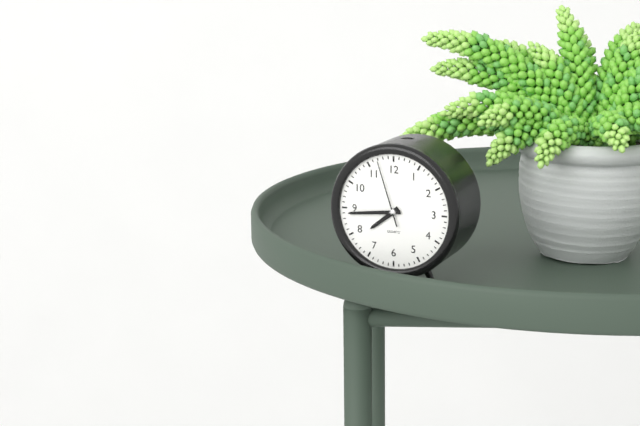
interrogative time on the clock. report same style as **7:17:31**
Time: **7:44:57**
